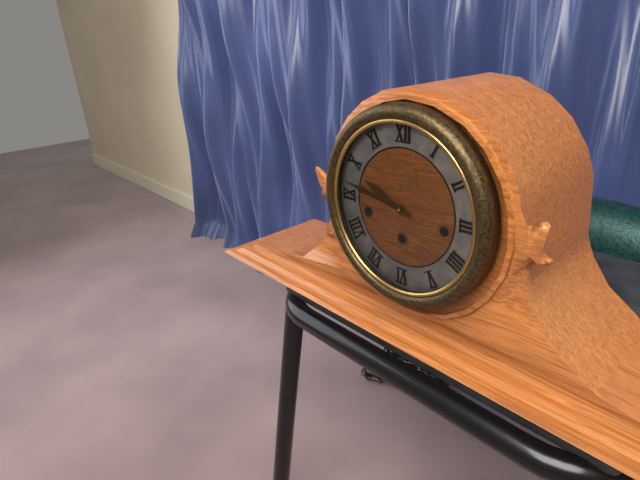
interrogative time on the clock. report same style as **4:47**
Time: **9:47**
